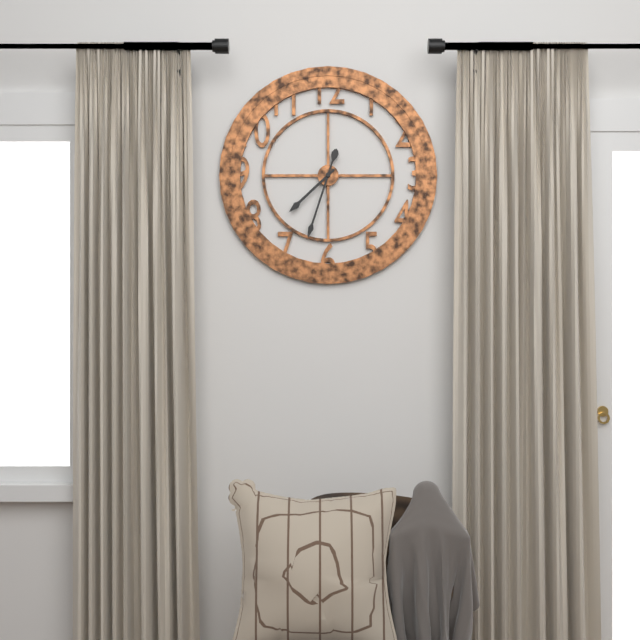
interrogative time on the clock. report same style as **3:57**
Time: **7:33**
